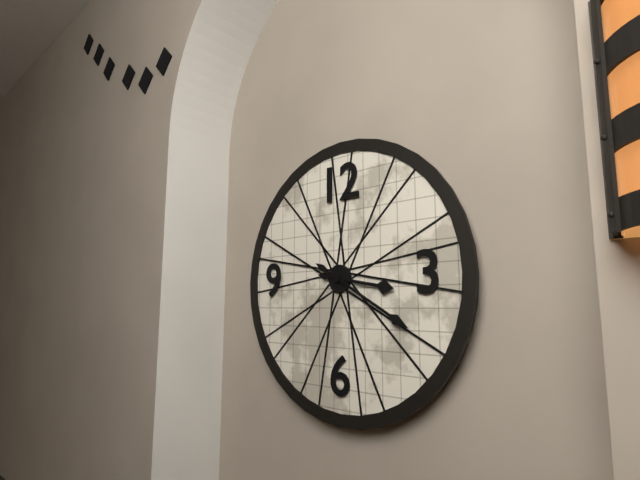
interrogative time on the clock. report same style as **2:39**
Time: **3:20**
